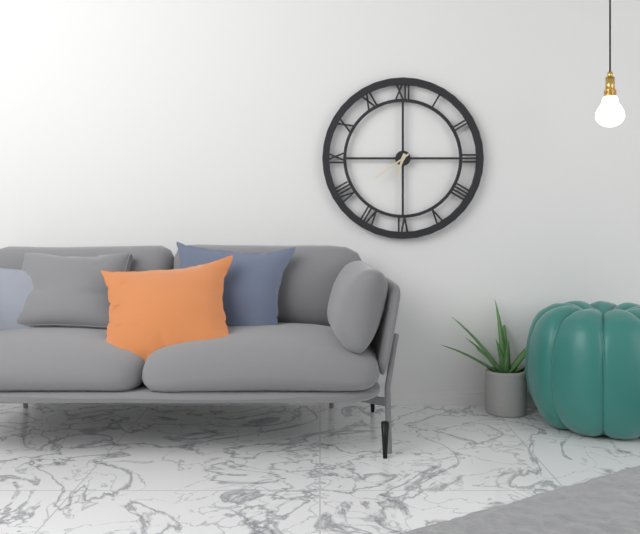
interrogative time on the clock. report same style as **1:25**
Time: **6:39**
